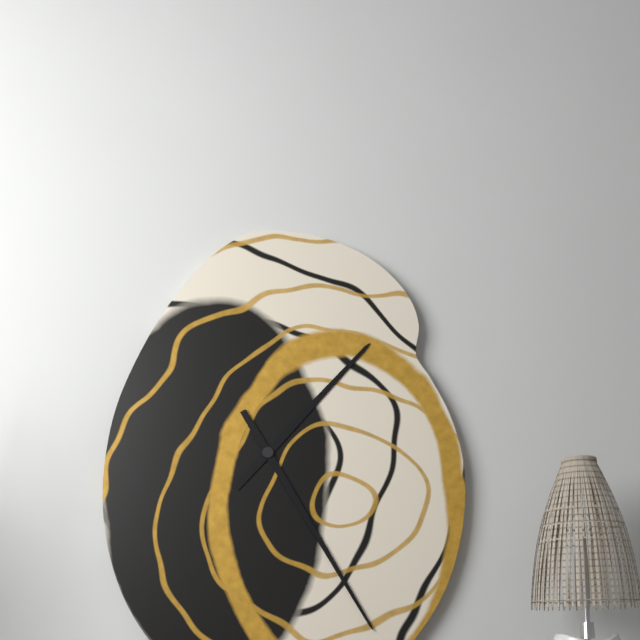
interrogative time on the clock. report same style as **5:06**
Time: **1:25**
